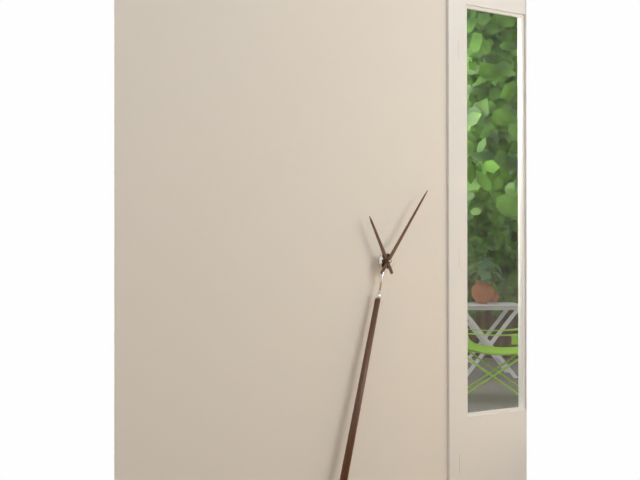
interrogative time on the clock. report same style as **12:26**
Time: **11:06**
